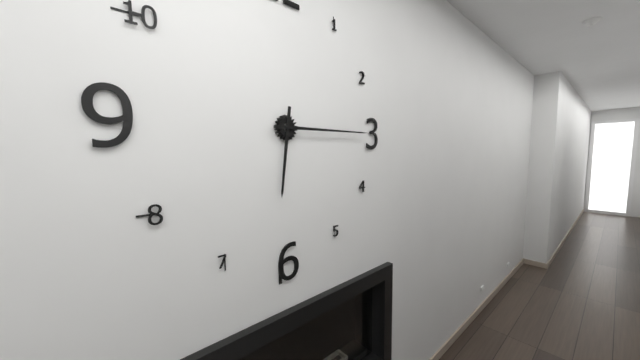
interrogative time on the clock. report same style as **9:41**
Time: **6:15**
